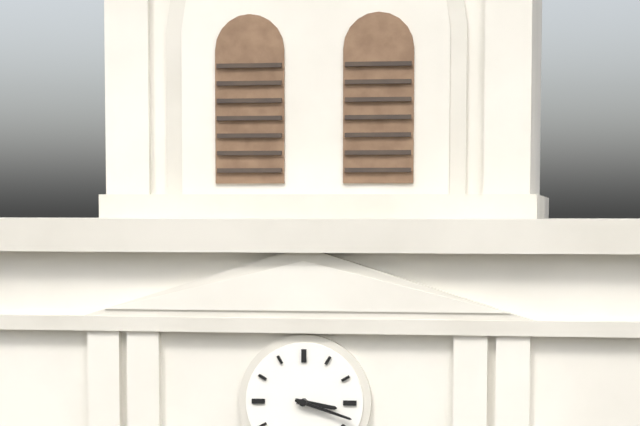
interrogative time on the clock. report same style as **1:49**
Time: **3:18**
